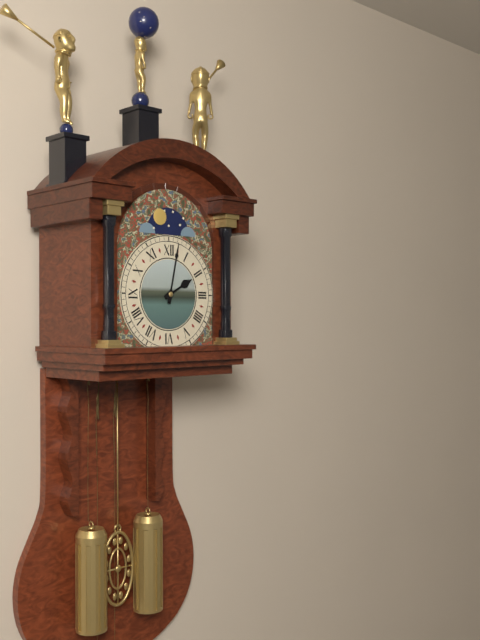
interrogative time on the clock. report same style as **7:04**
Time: **2:02**
